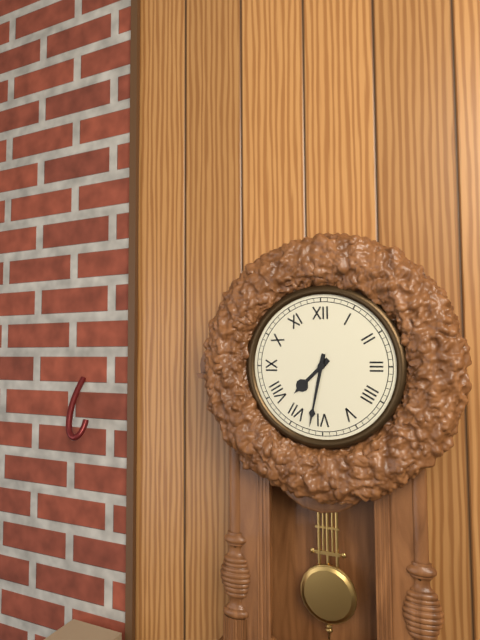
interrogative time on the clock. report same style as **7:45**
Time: **7:32**
